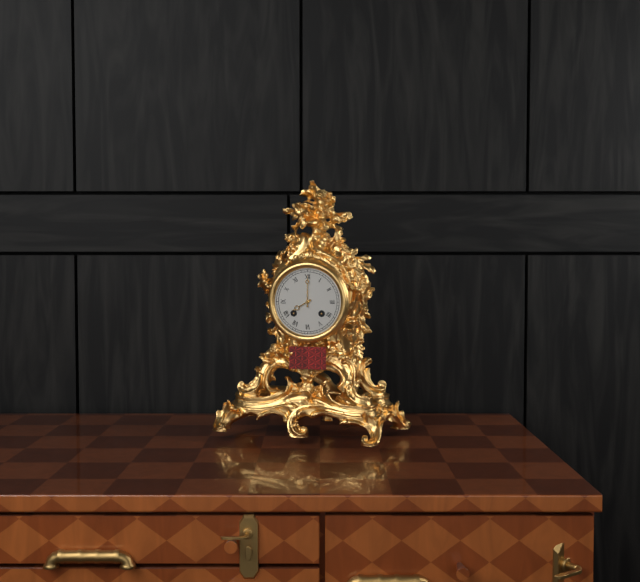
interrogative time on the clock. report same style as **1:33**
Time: **8:00**
